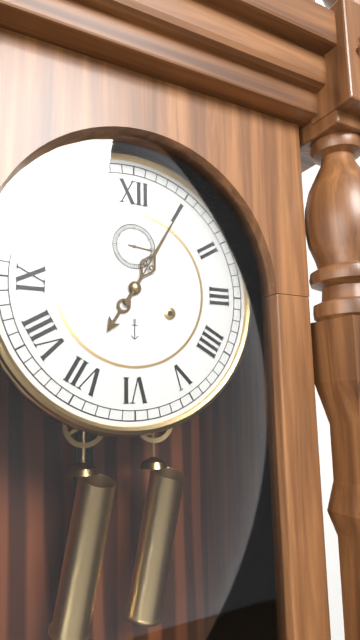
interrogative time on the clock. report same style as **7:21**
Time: **7:05**
